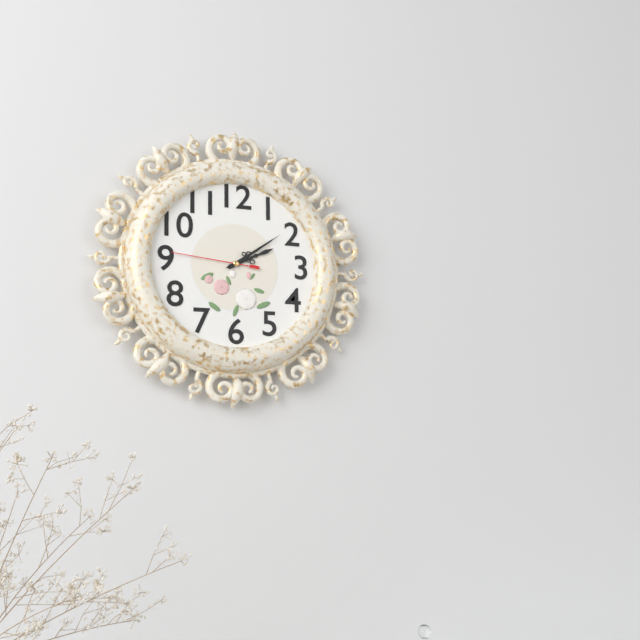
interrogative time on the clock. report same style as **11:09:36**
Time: **2:09:46**
